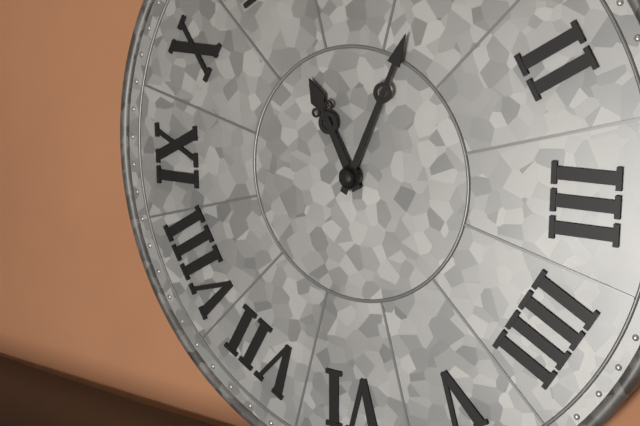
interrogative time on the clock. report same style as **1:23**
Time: **11:04**
